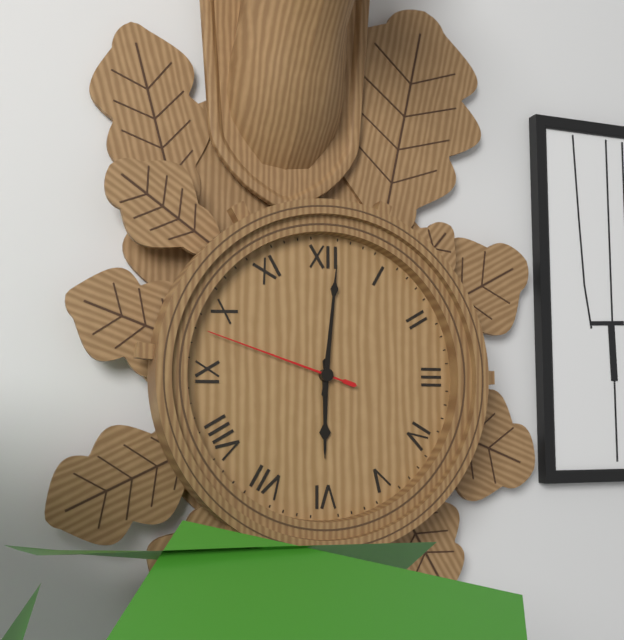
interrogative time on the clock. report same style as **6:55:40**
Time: **6:01:48**
